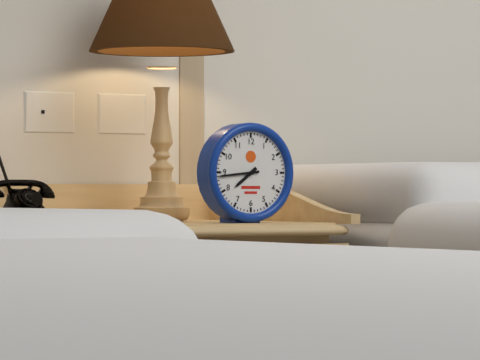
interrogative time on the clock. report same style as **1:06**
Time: **7:44**
